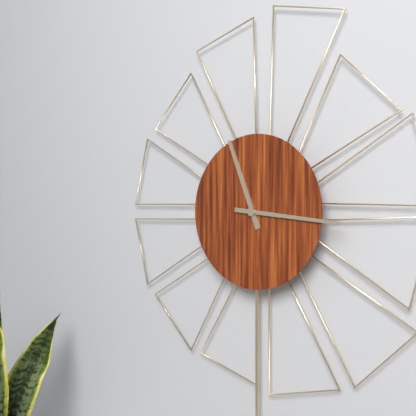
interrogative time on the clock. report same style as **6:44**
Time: **11:16**
